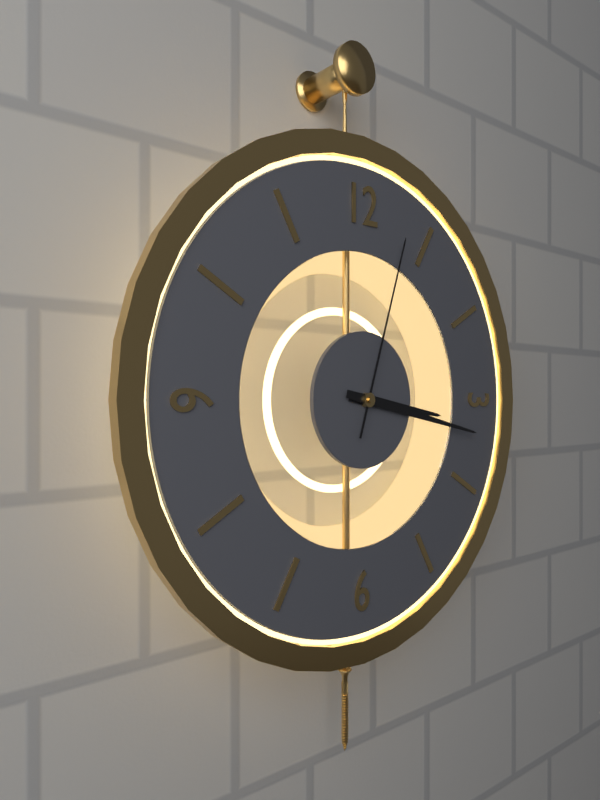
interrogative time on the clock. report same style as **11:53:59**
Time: **3:17:03**
